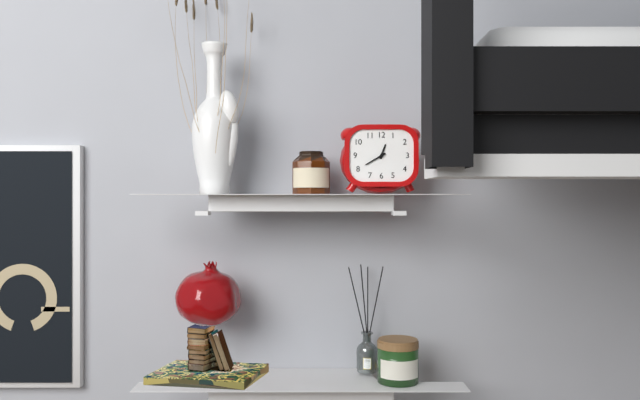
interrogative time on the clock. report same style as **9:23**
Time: **12:40**
